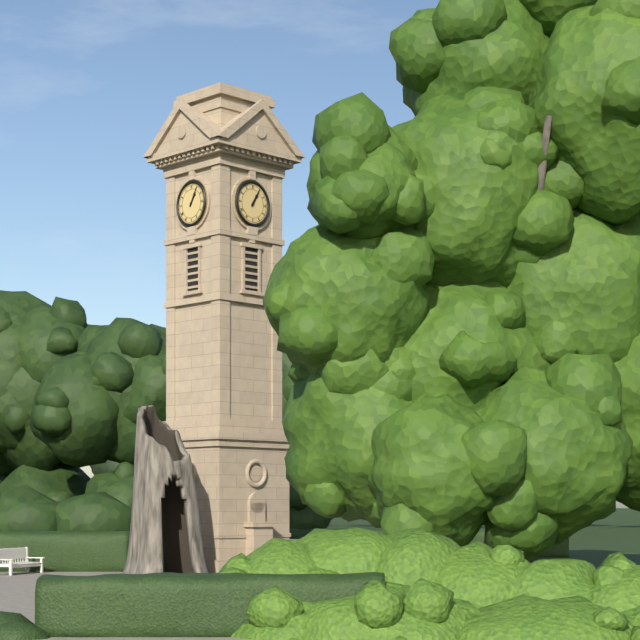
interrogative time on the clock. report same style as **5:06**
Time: **1:05**
